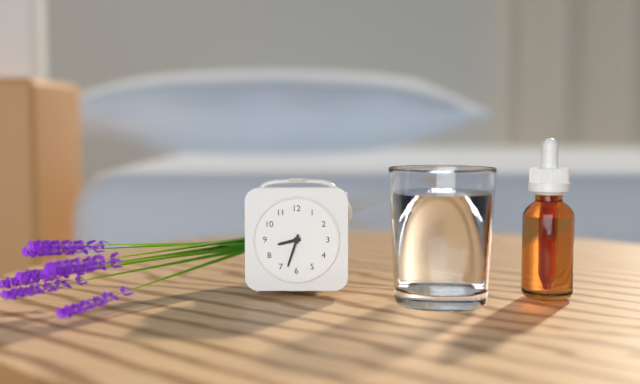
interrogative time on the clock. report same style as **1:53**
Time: **8:33**
